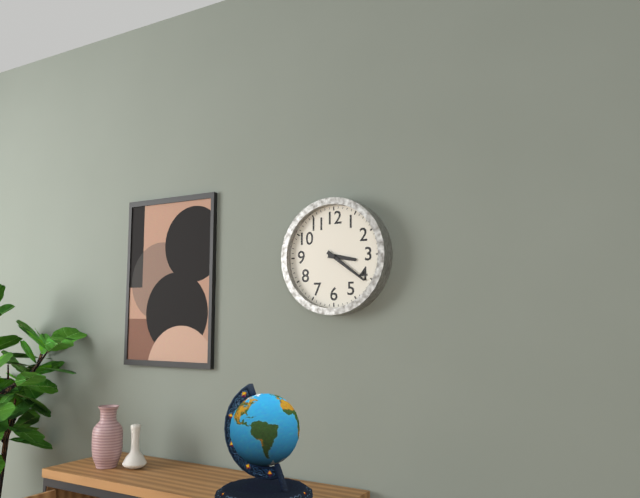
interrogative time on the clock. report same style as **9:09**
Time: **3:21**
